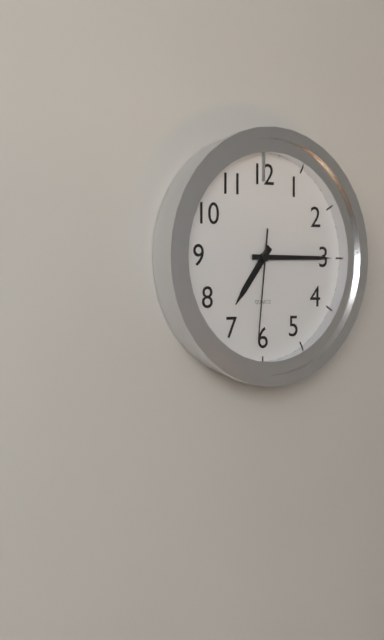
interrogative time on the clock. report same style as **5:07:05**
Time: **7:15:31**
